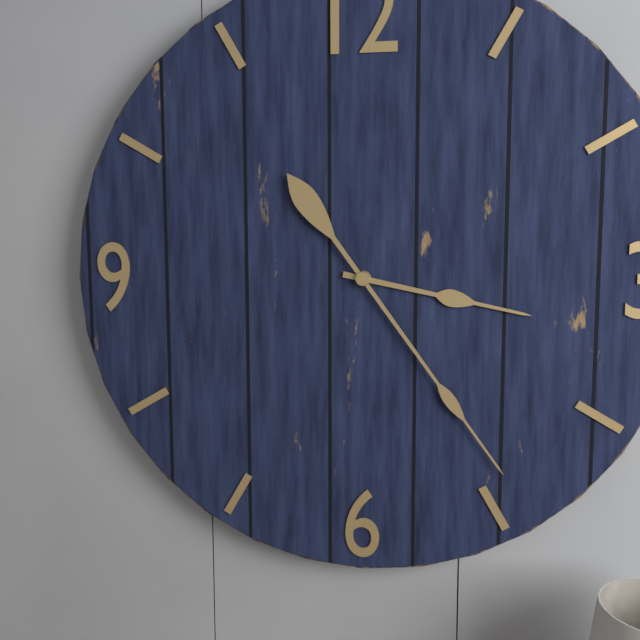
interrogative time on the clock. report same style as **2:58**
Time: **3:24**
